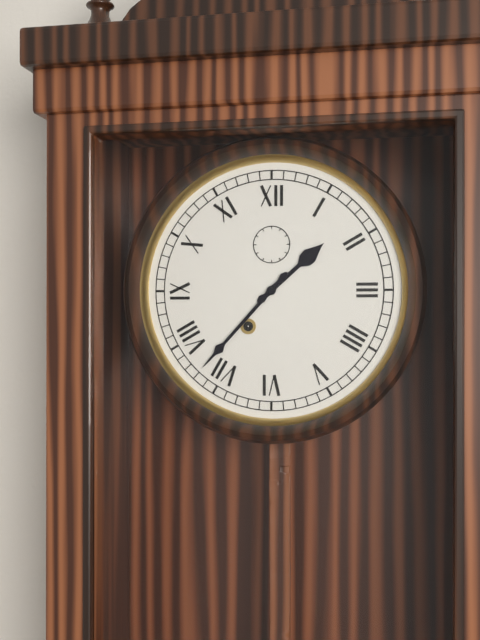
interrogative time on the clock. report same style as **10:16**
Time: **1:37**
